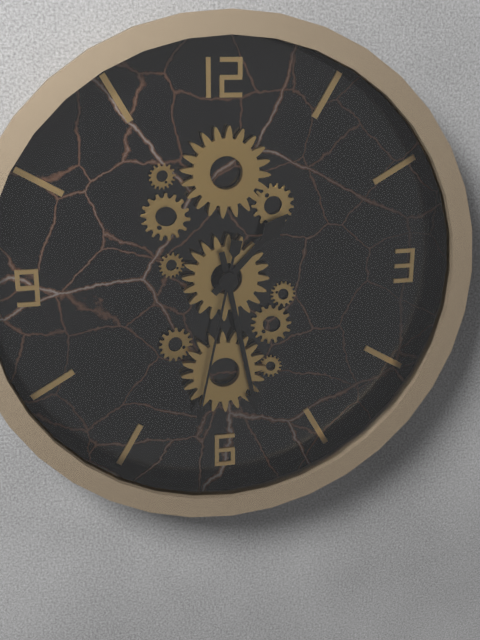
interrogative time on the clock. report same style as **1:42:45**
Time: **1:28:32**
